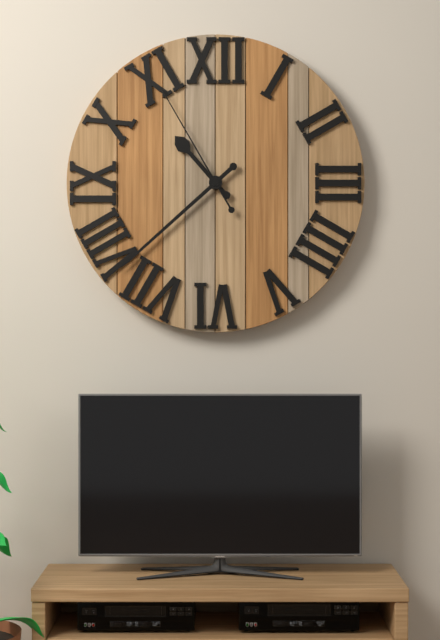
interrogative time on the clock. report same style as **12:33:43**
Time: **10:38:55**
